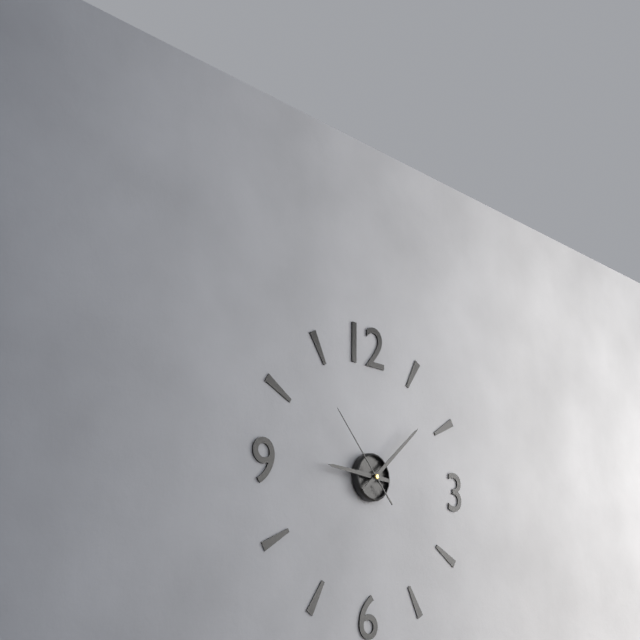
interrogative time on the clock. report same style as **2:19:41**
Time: **9:08:53**
